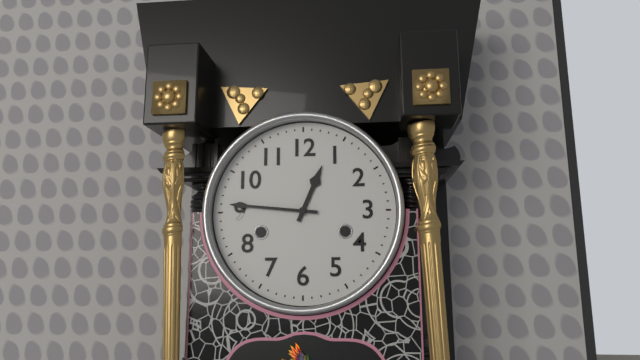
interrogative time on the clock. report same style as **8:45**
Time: **12:46**
